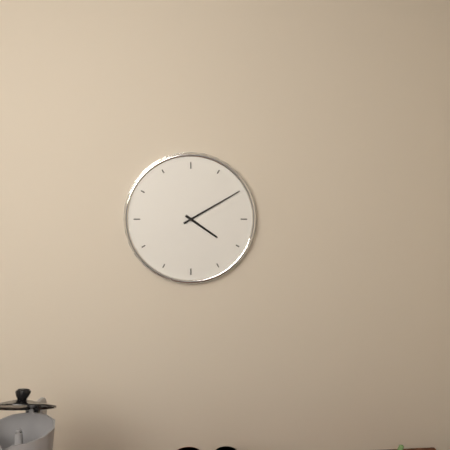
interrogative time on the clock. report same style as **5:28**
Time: **4:10**
